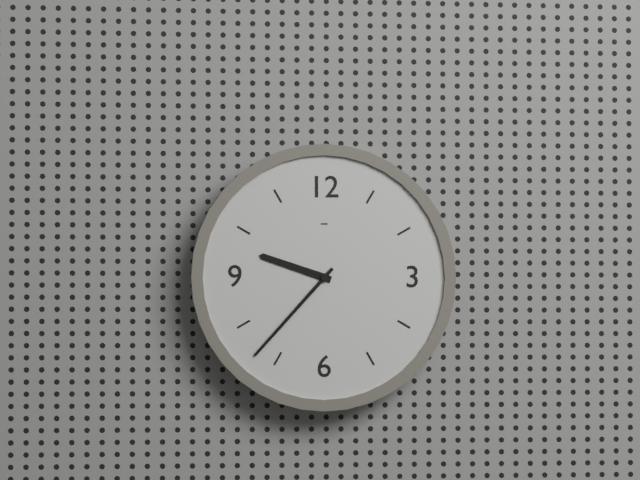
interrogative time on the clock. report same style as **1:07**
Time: **9:37**
